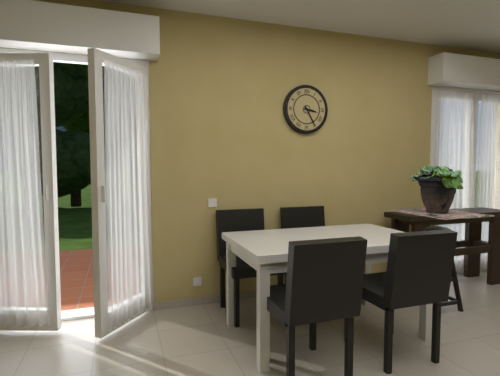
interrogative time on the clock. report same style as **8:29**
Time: **3:25**
